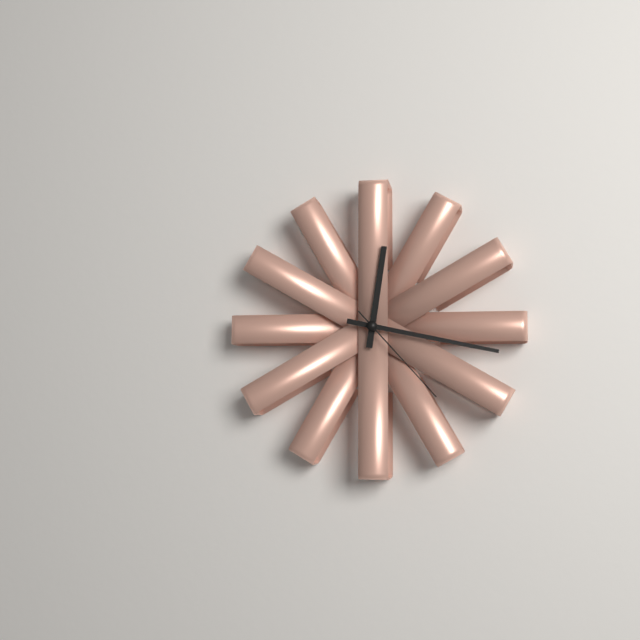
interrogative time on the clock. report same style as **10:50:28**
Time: **12:17:23**
